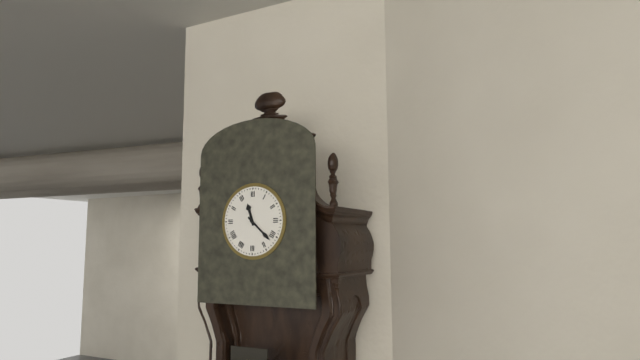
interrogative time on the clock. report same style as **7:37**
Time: **11:22**
